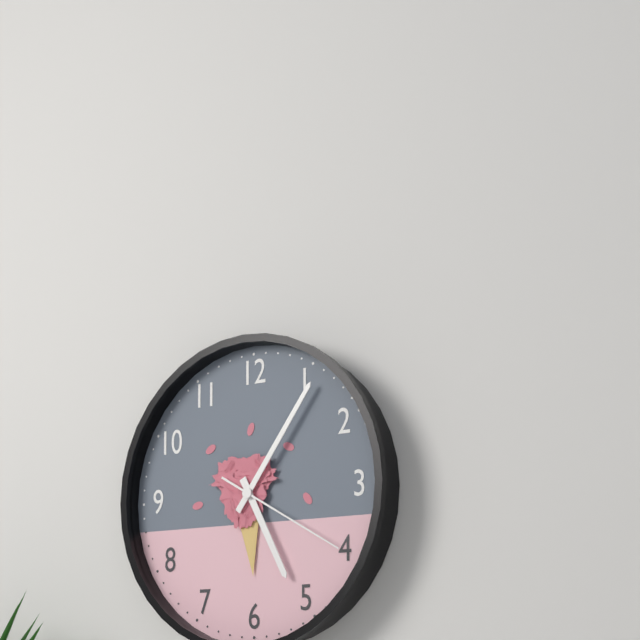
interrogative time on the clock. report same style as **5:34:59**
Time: **5:06:20**
